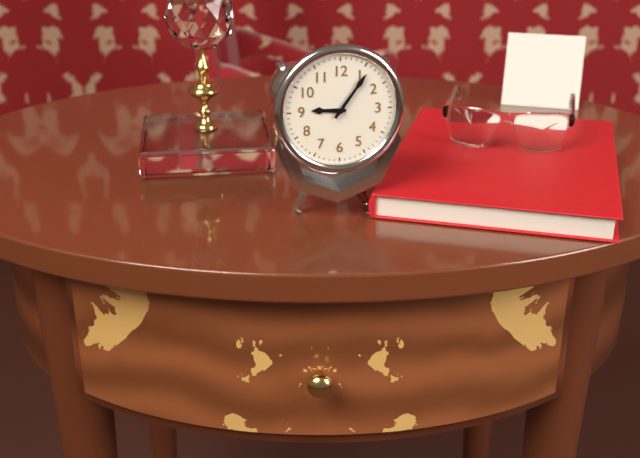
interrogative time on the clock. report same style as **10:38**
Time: **9:06**
